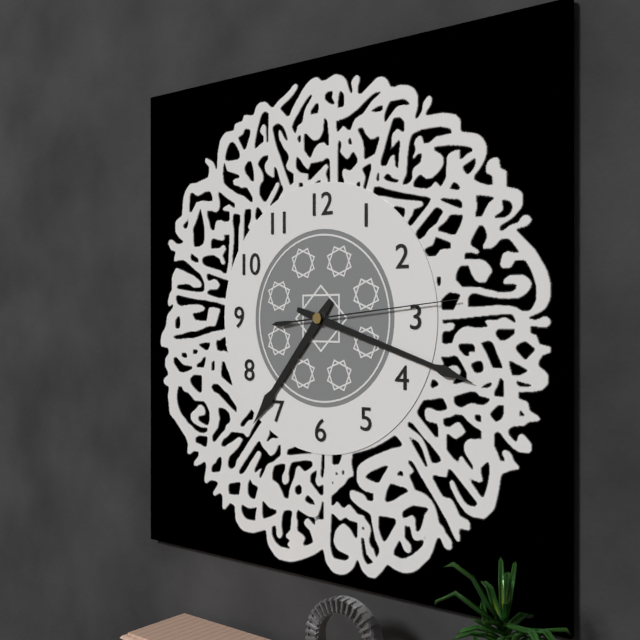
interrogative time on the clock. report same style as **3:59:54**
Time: **7:18:14**
